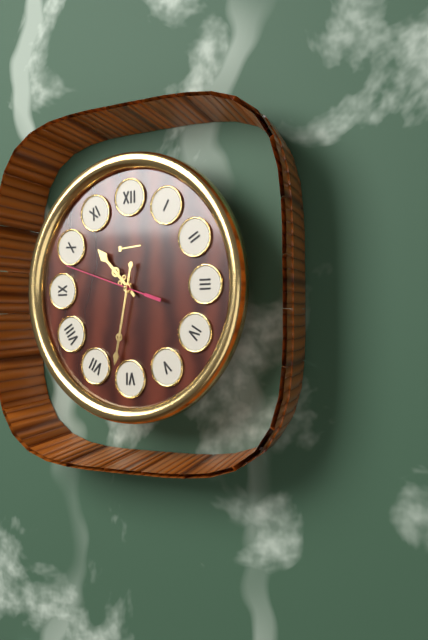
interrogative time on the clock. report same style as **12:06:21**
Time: **10:32:48**
